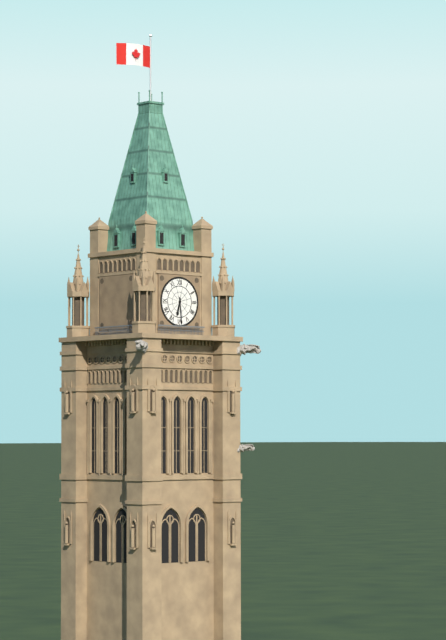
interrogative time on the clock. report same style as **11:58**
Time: **6:29**
